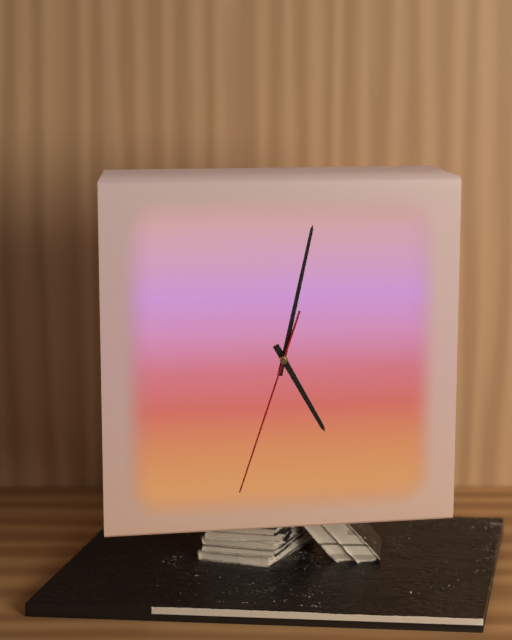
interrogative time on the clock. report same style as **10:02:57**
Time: **5:02:33**
